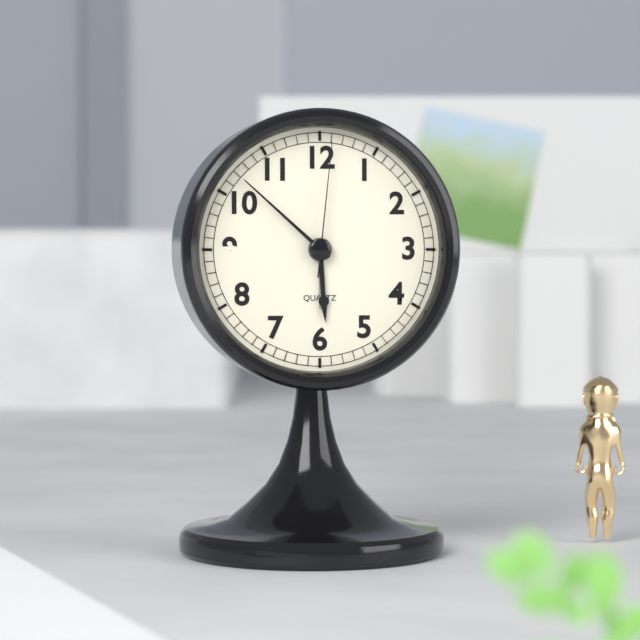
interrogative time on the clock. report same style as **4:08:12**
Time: **5:52:01**
